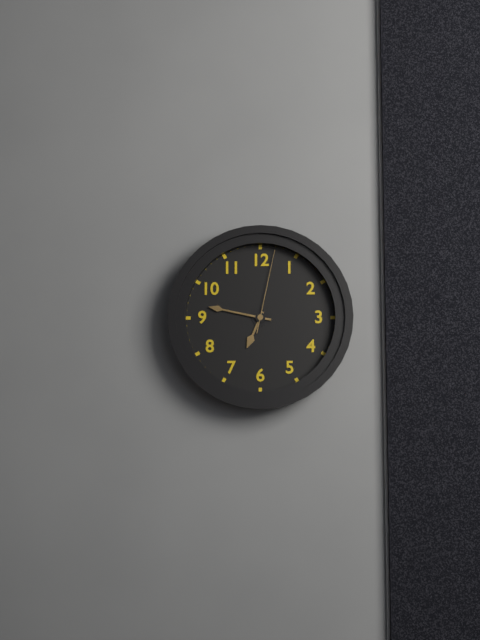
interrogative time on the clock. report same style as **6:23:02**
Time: **6:47:02**
